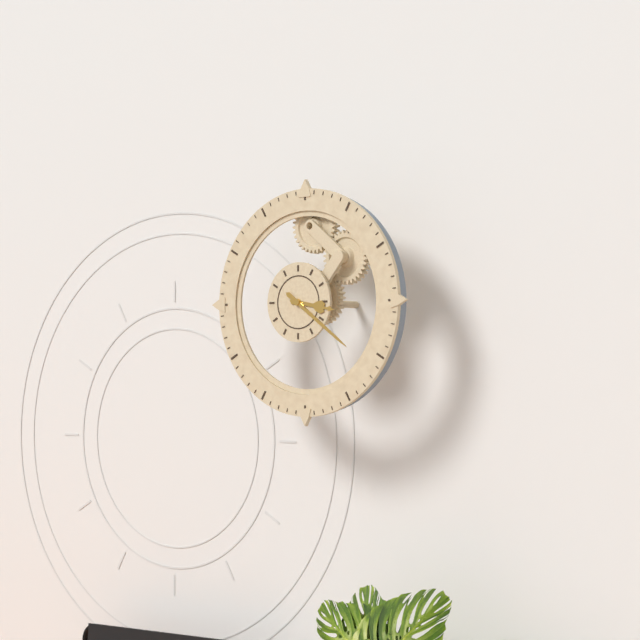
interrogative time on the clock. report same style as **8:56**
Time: **3:21**
